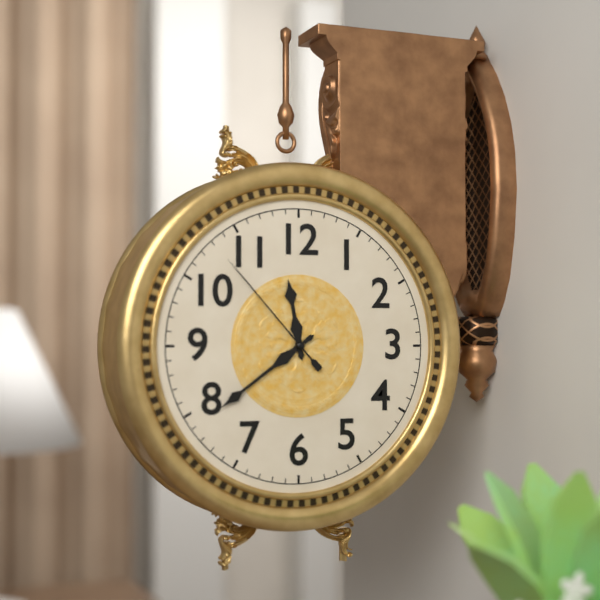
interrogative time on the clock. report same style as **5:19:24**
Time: **11:39:53**
